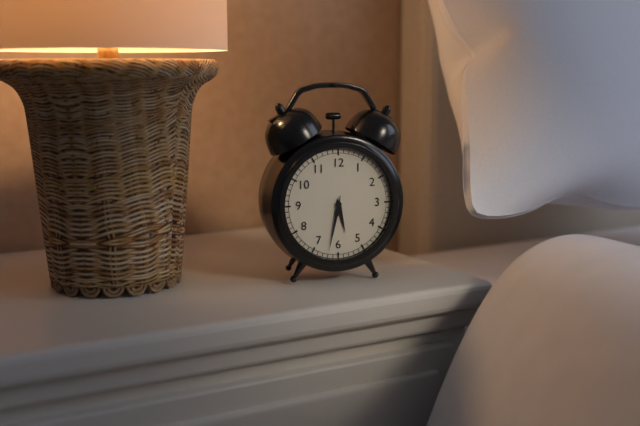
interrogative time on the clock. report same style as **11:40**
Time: **5:32**
